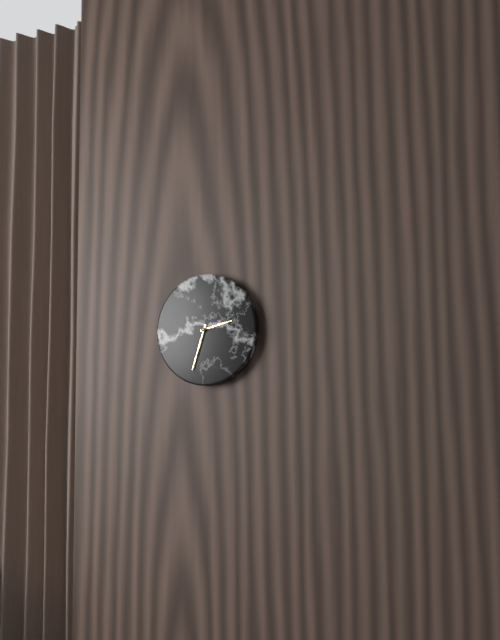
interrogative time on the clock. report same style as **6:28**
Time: **2:33**
